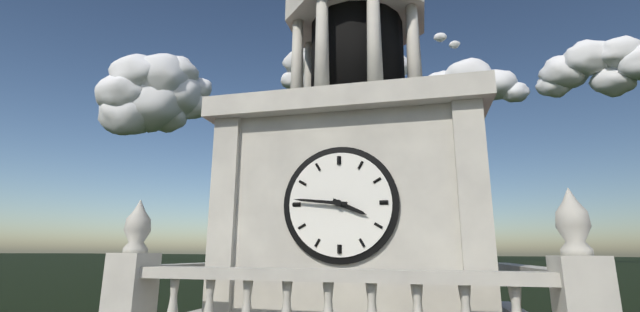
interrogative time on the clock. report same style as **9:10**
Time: **3:46**
